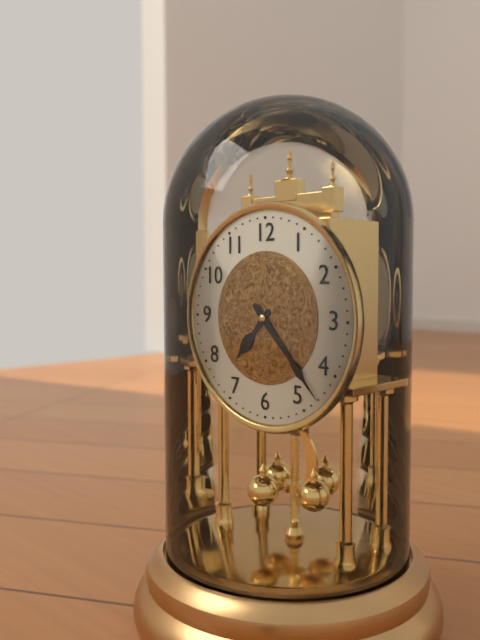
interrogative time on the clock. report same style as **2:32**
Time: **7:23**
